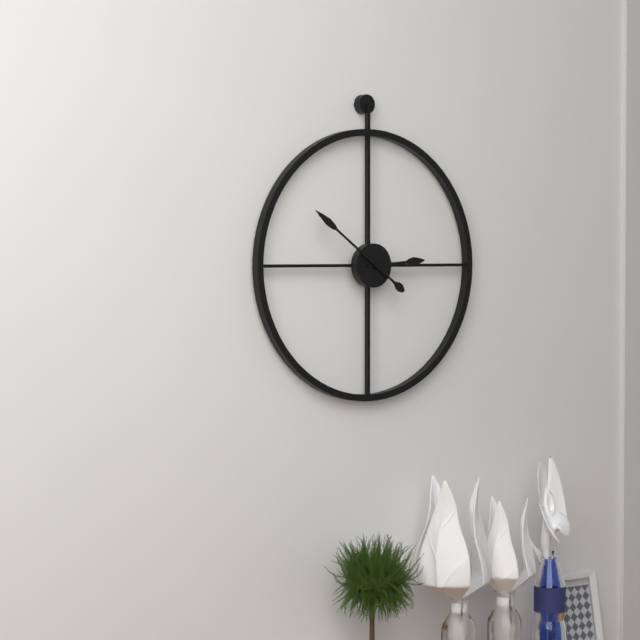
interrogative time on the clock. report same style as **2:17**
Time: **2:51**
